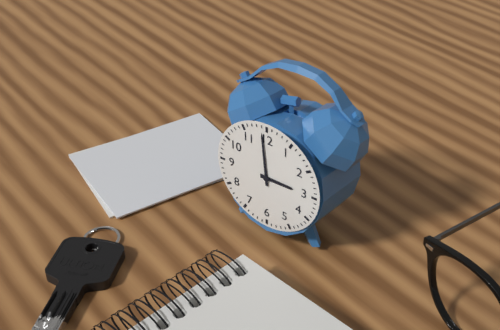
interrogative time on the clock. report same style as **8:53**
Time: **2:59**
